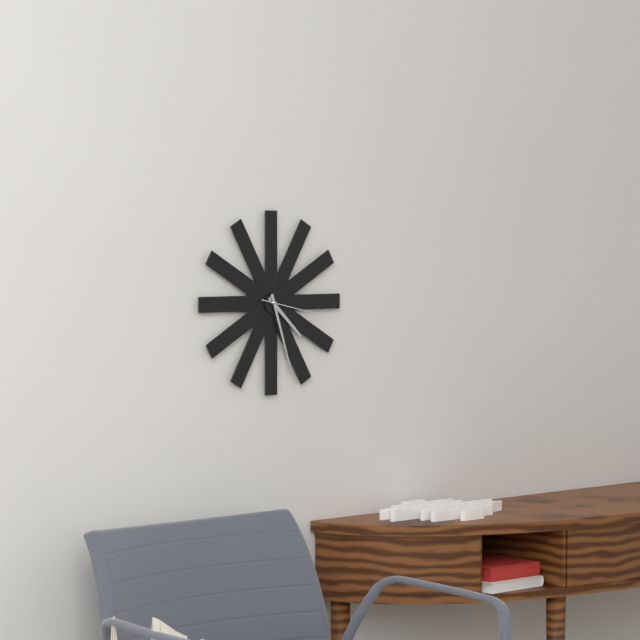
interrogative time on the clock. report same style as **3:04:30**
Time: **4:27:17**
